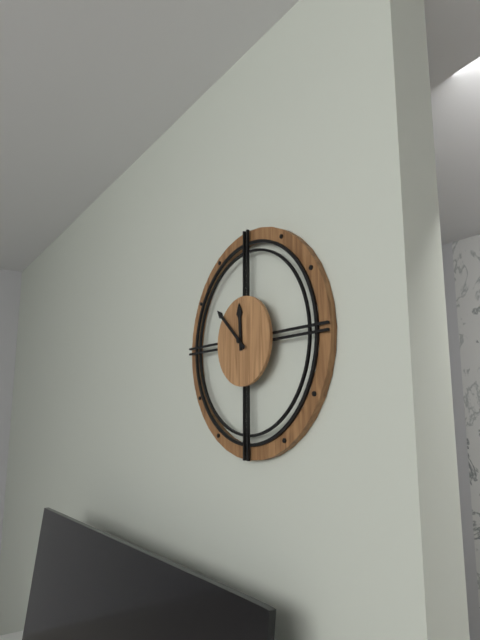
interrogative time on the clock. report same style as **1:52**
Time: **11:52**
